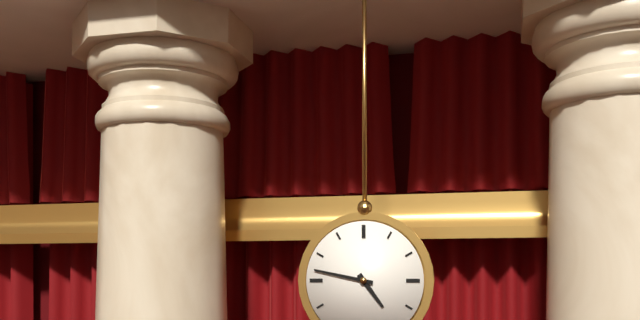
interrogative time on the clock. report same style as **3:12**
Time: **4:47**
